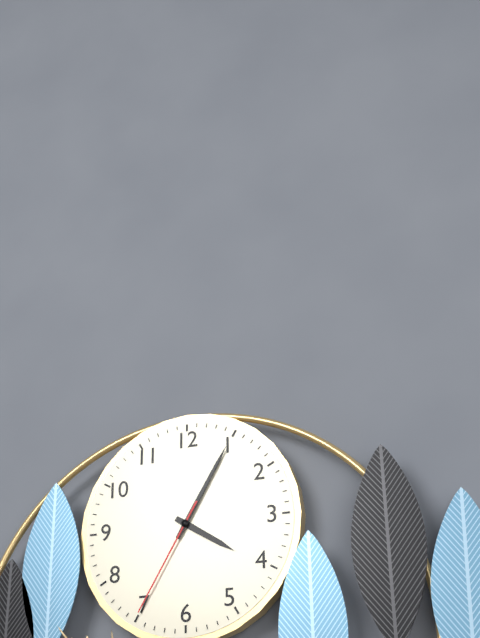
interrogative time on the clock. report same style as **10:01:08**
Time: **4:05:35**
